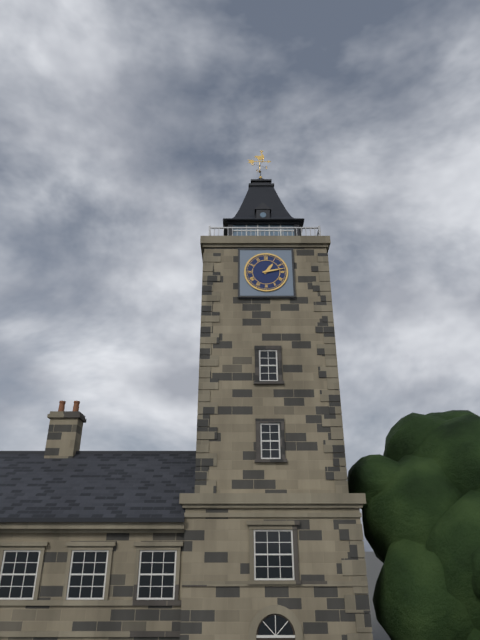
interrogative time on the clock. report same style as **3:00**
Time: **1:13**
